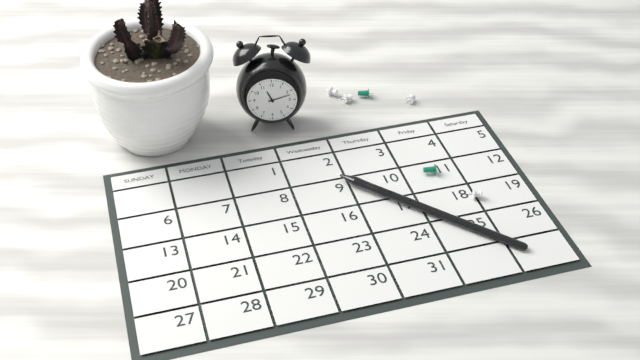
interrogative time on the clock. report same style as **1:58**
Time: **11:12**
